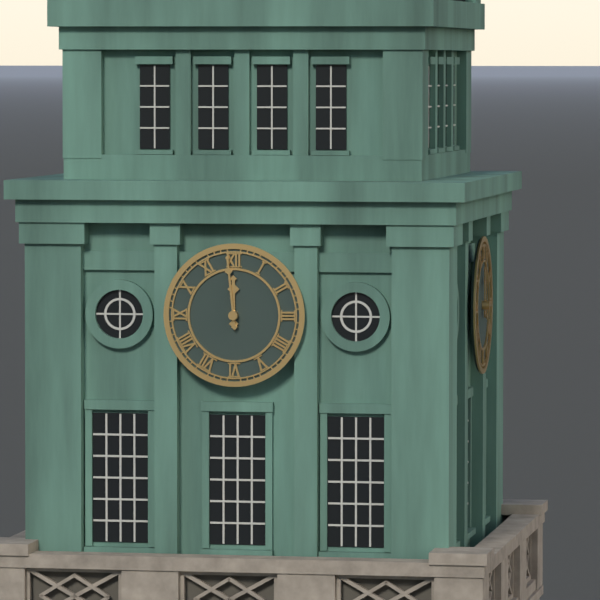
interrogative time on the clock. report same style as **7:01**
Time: **11:59**
